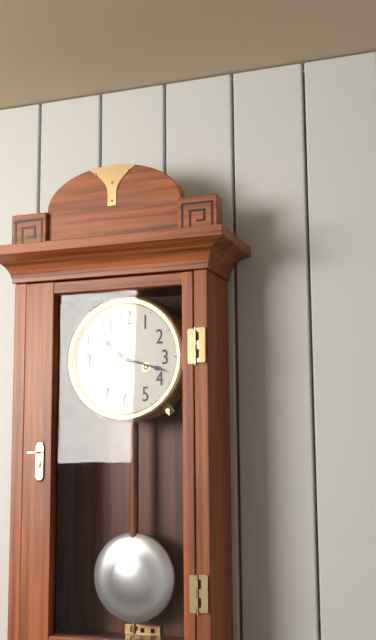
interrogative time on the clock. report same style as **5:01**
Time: **10:18**
